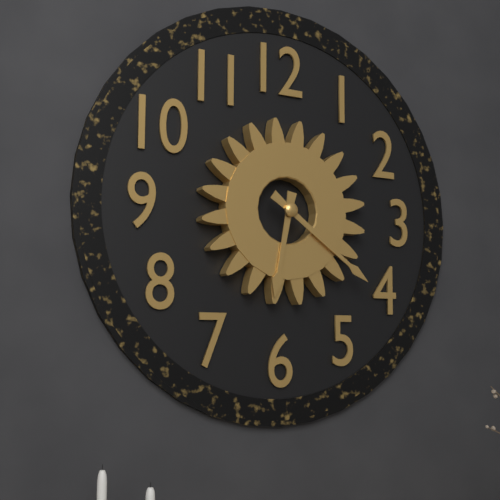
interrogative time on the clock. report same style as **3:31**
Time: **6:21**
